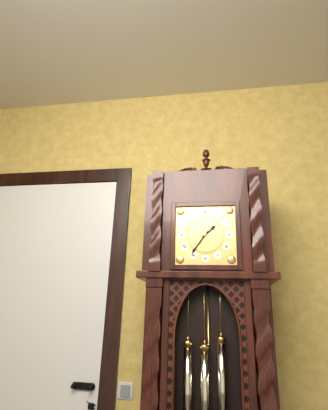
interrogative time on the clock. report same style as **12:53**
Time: **1:36**
